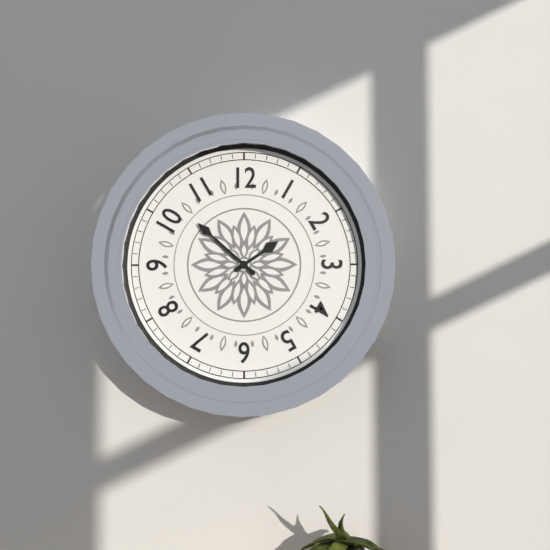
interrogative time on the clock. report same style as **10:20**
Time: **1:52**
